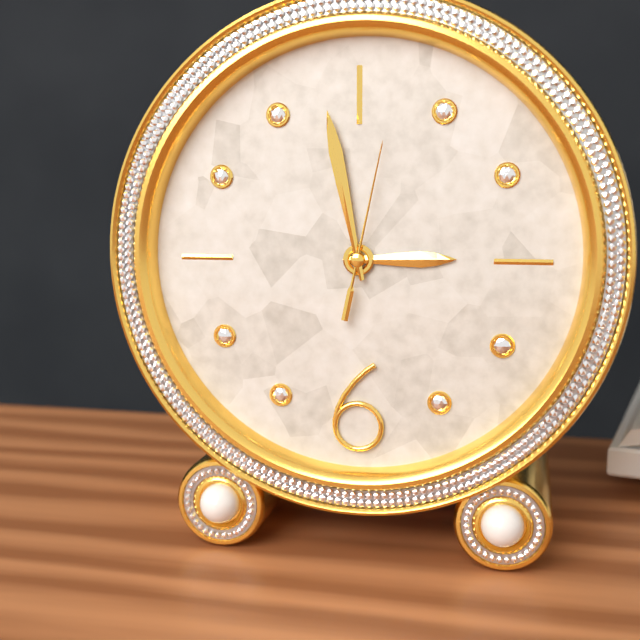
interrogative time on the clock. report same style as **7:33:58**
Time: **2:58:02**
